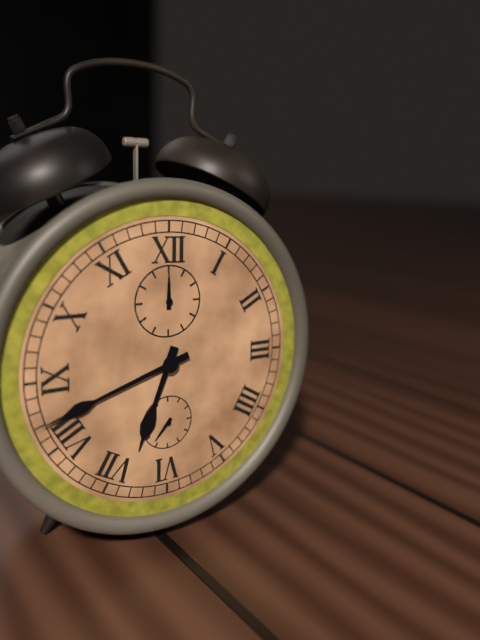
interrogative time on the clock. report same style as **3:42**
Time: **6:42**
